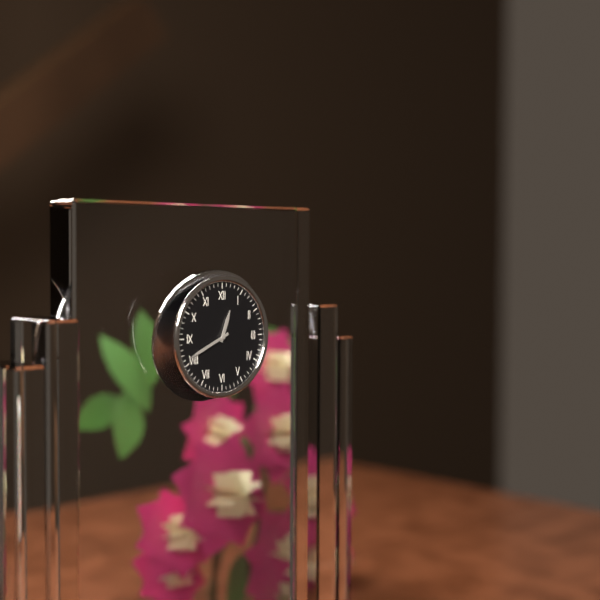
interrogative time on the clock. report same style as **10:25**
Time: **12:41**
